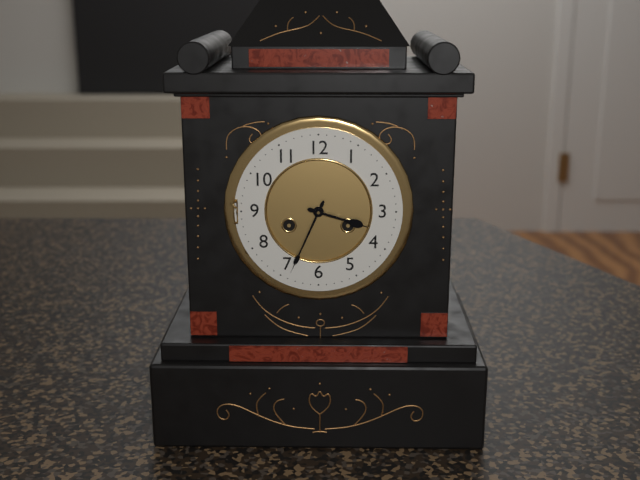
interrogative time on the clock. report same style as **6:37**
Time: **3:34**
